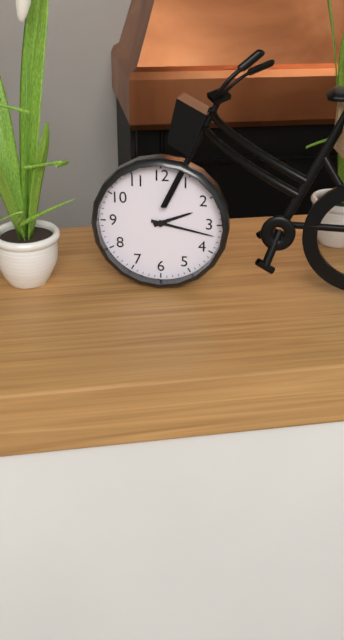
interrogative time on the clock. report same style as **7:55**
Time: **2:17**
